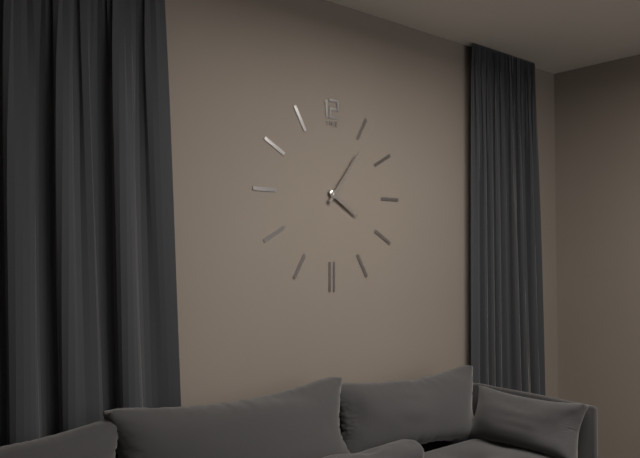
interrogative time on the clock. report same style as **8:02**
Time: **4:06**
